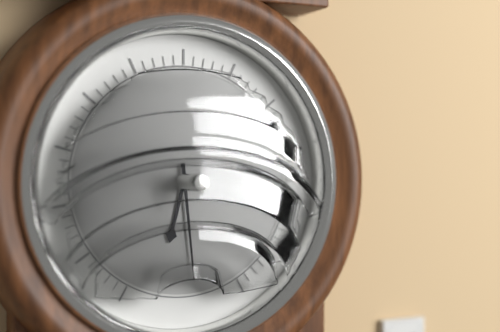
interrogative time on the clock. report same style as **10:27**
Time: **6:29**
